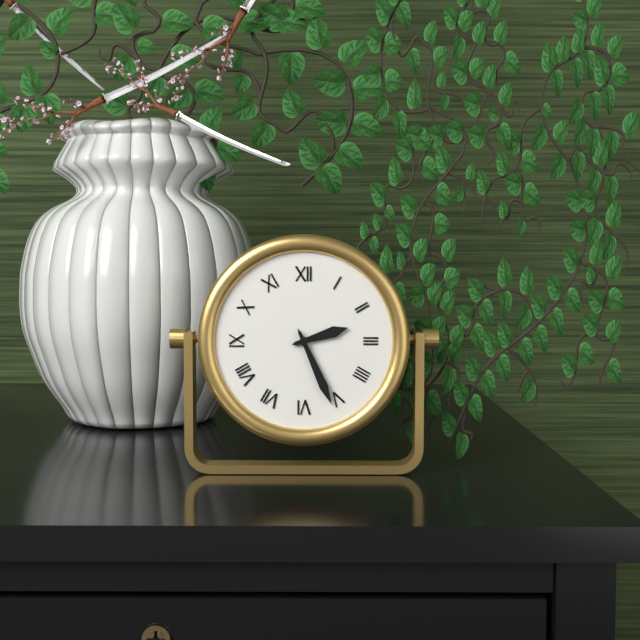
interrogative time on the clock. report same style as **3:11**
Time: **2:26**
